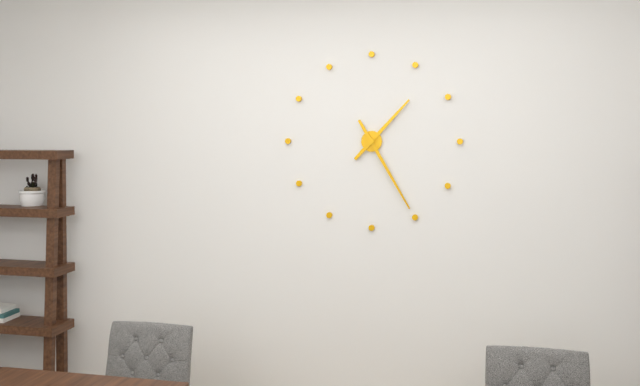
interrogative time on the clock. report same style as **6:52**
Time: **1:25**
